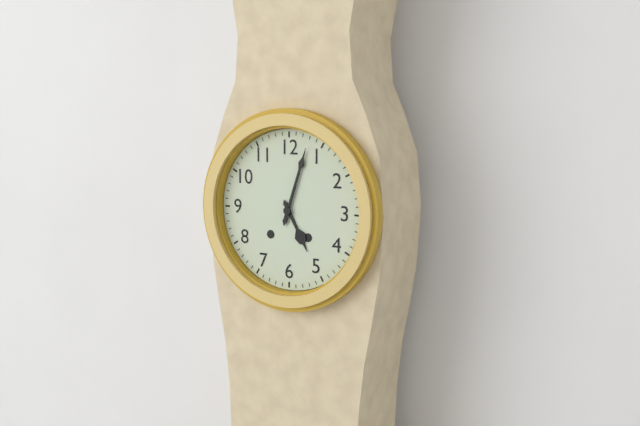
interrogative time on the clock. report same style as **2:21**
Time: **5:03**
